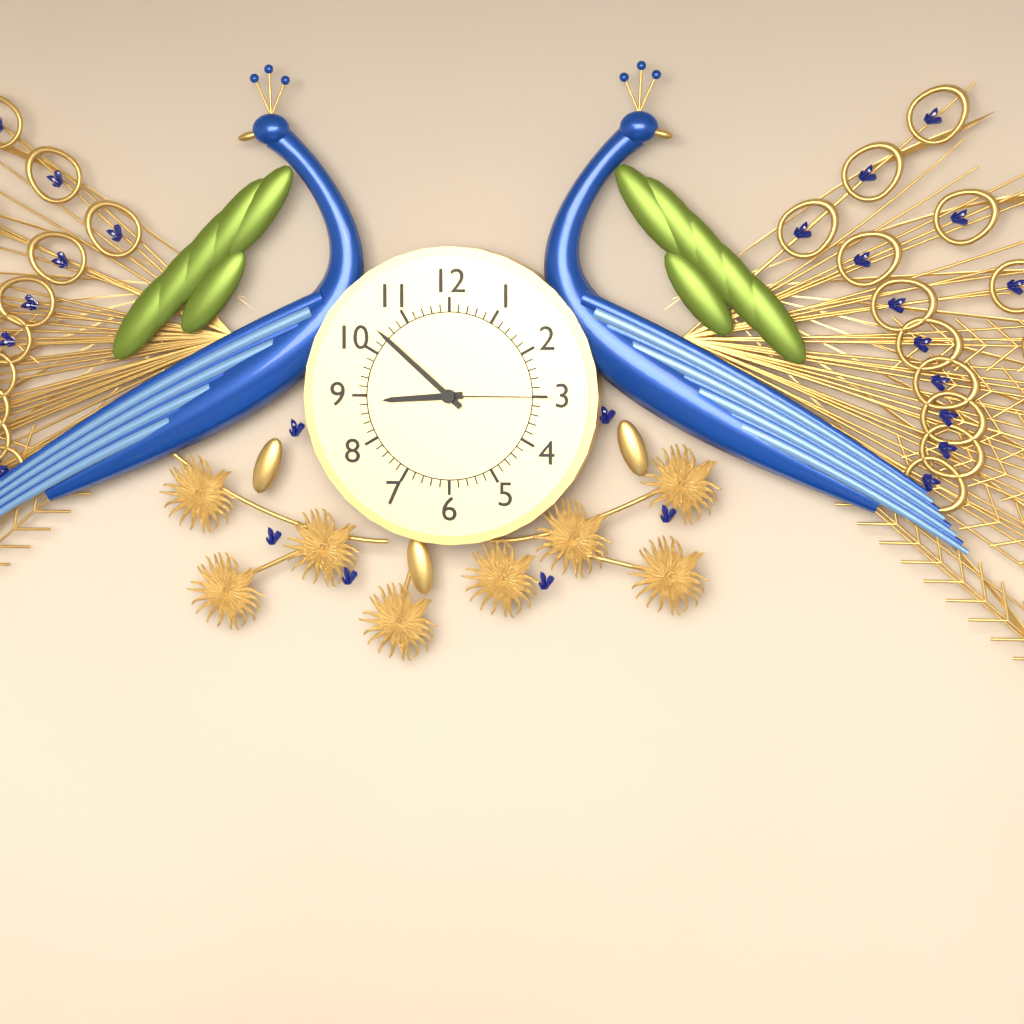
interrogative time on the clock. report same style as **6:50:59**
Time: **8:52:15**
